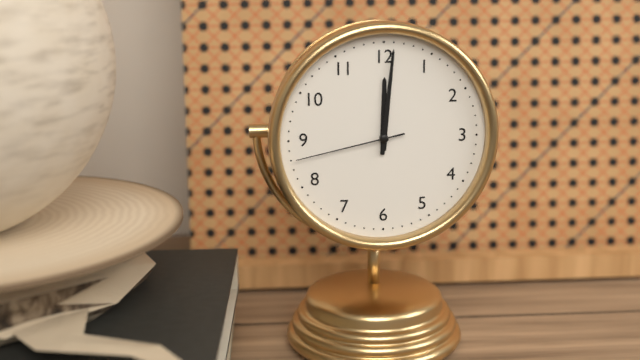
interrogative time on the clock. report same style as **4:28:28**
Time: **12:01:43**
